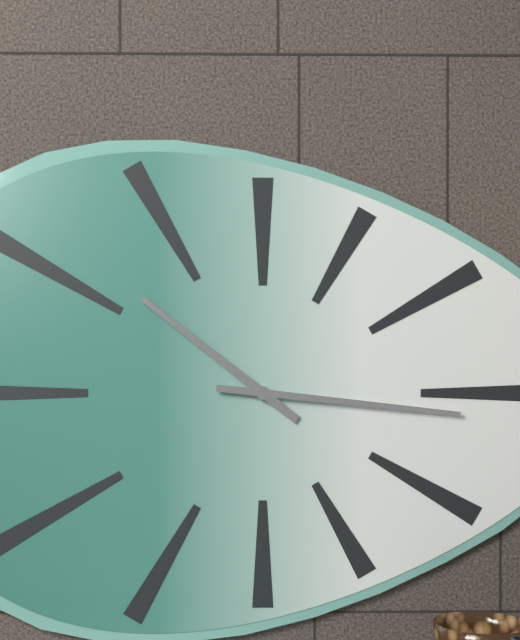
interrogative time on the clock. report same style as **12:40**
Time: **10:16**
